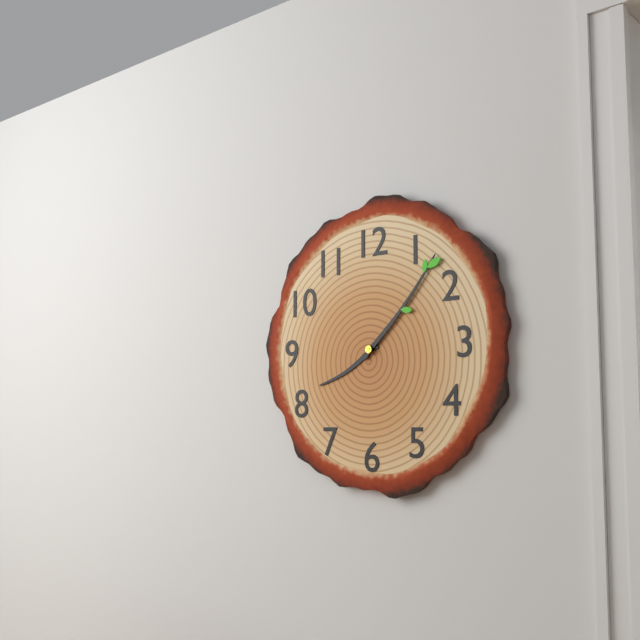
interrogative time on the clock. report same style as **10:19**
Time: **8:07**
